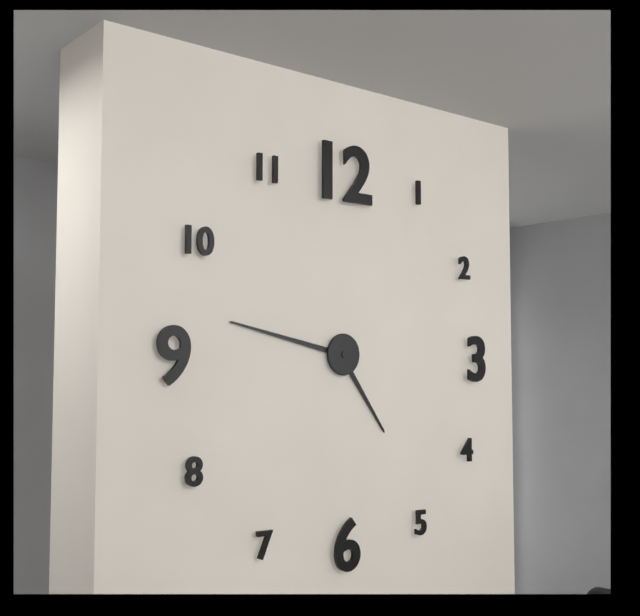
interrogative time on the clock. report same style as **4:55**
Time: **4:47**
